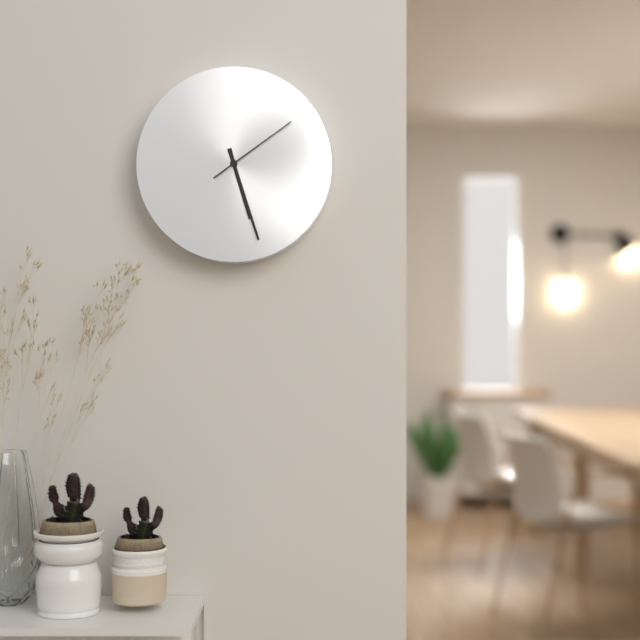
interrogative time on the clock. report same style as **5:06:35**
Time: **5:27:09**
